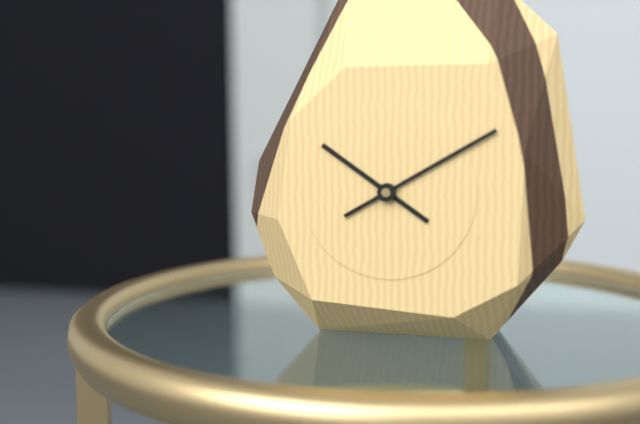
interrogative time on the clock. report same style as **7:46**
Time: **10:10**
